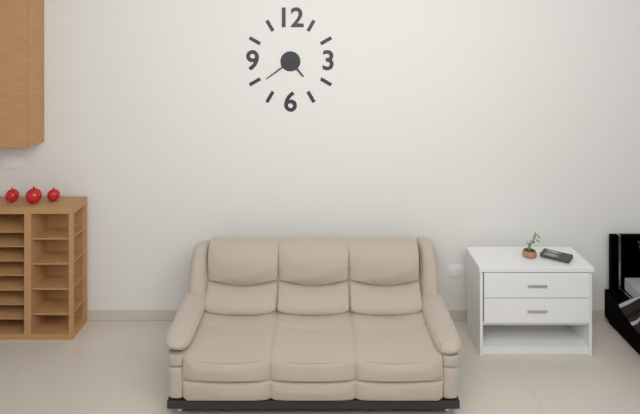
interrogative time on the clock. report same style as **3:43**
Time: **4:39**
